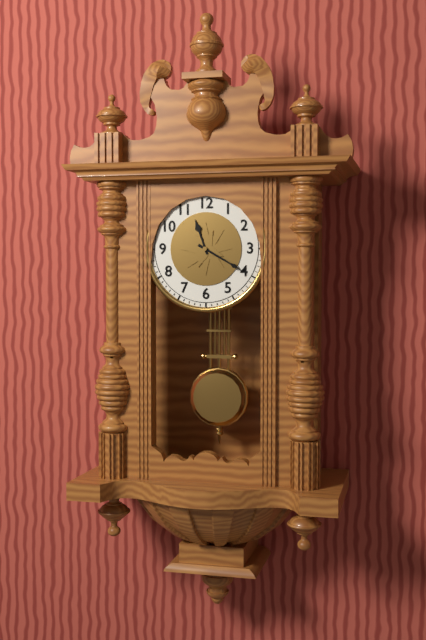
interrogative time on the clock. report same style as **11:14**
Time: **11:20**
